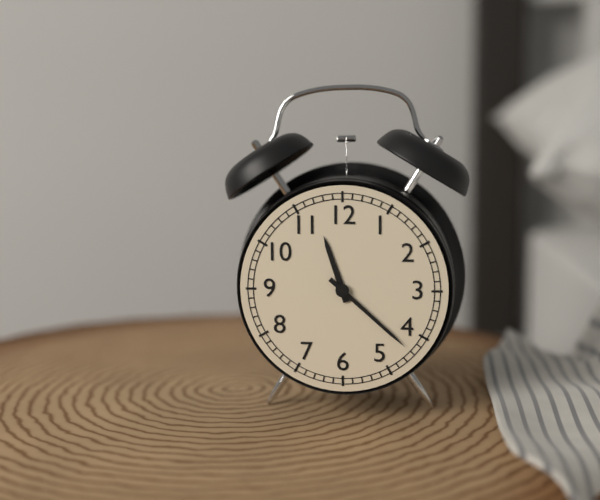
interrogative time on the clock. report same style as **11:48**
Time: **11:22**
